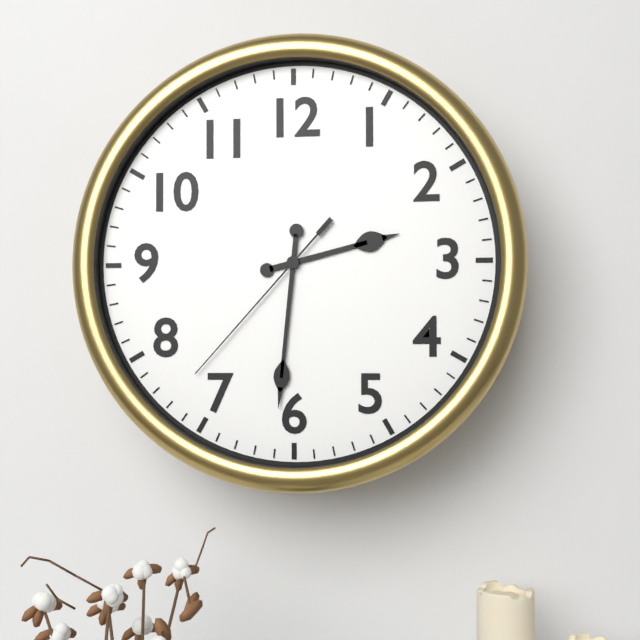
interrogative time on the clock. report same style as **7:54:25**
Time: **2:31:37**
